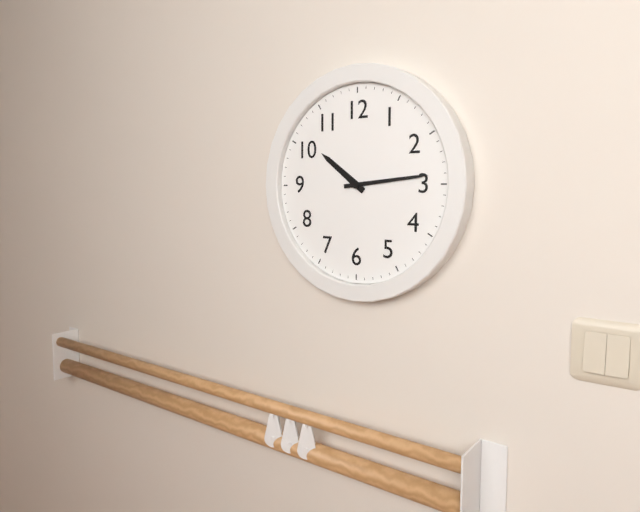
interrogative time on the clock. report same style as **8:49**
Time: **10:14**
